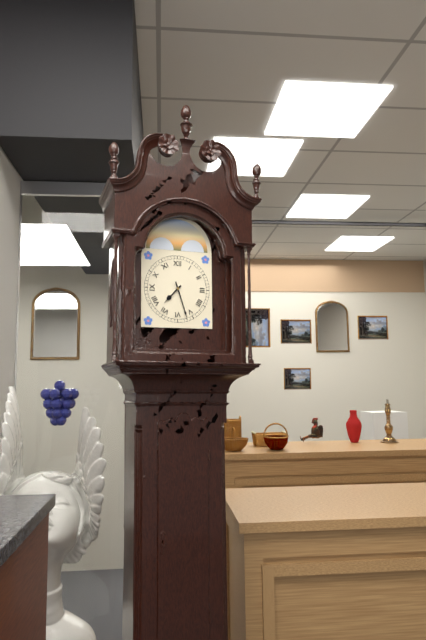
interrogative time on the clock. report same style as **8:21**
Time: **7:27**
